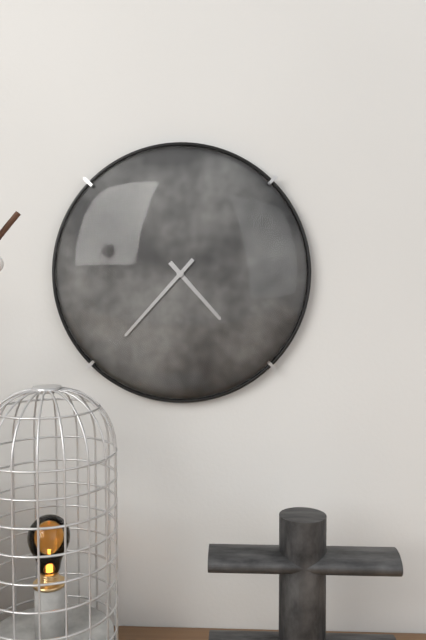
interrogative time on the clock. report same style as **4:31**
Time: **4:37**
